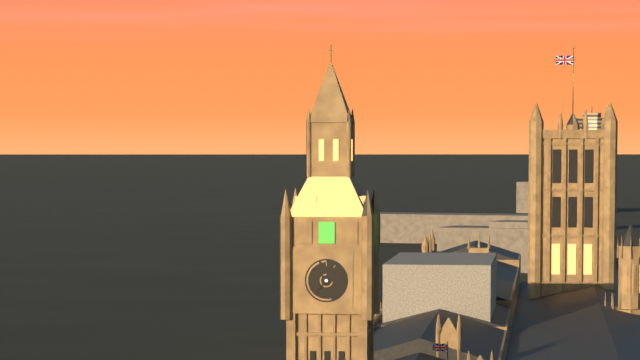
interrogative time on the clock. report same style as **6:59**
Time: **10:37**
